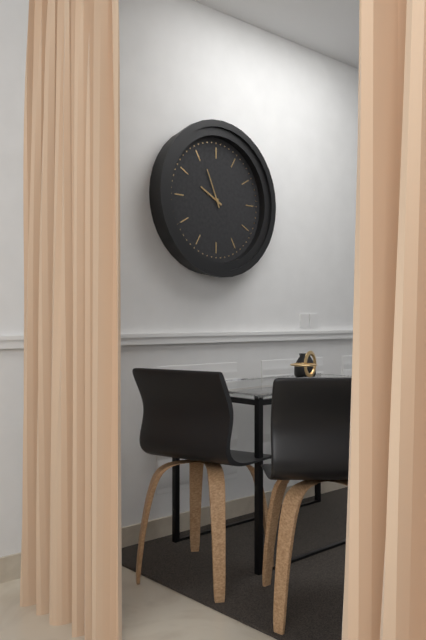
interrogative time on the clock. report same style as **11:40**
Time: **9:56**
